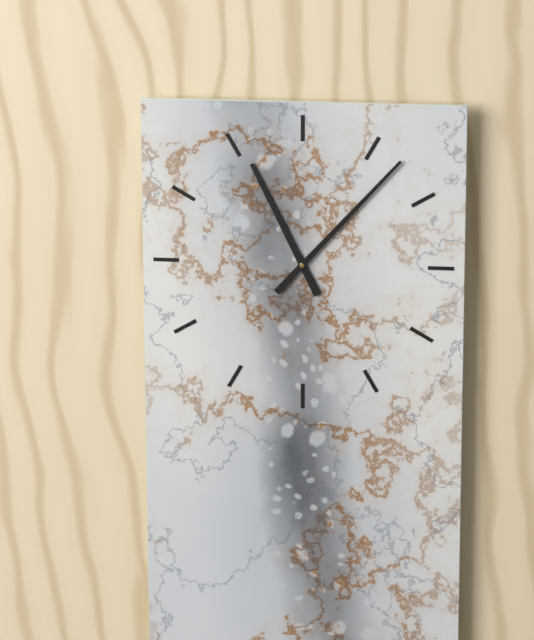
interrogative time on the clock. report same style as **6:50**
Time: **11:07**
